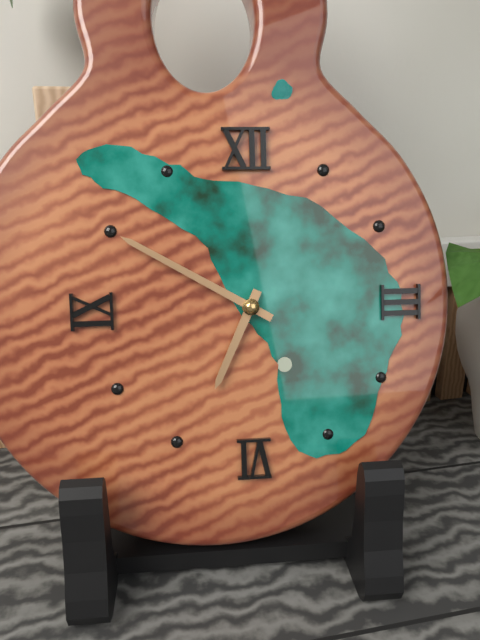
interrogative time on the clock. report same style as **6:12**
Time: **6:50**
